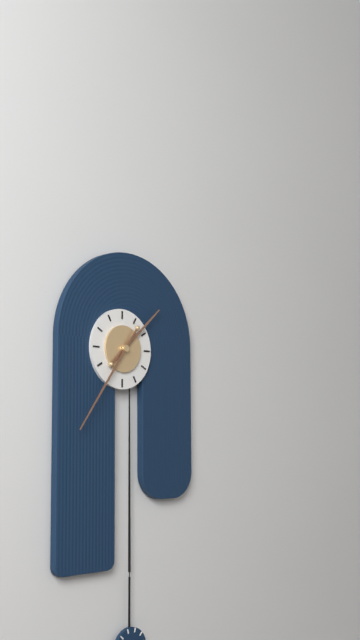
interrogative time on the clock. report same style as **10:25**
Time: **1:36**
